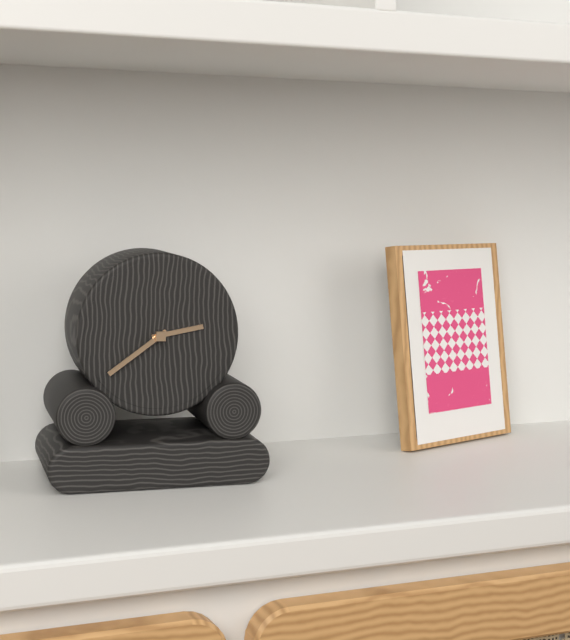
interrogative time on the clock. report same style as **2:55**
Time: **2:39**
